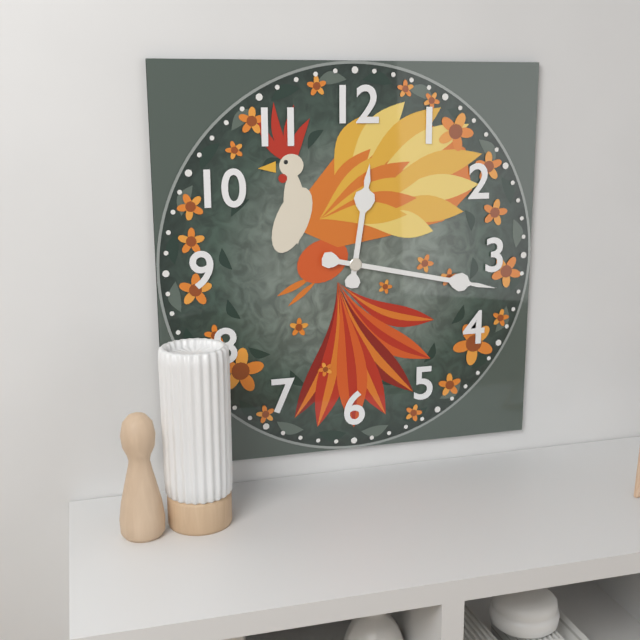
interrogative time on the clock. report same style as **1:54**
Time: **12:17**
